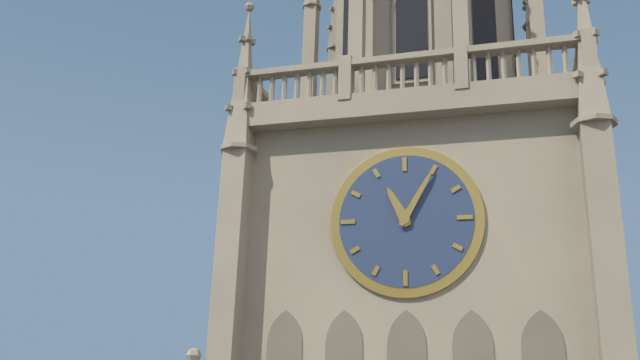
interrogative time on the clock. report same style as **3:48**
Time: **11:05**
